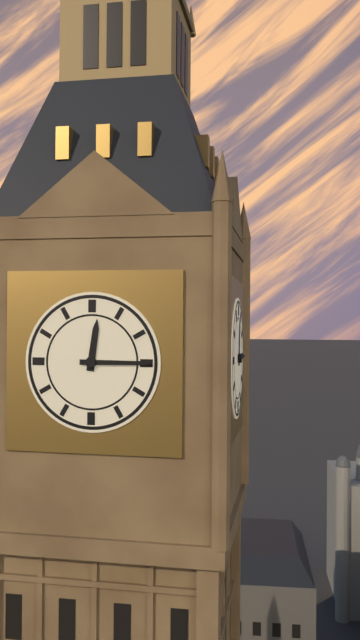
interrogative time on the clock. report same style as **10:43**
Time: **12:15**
